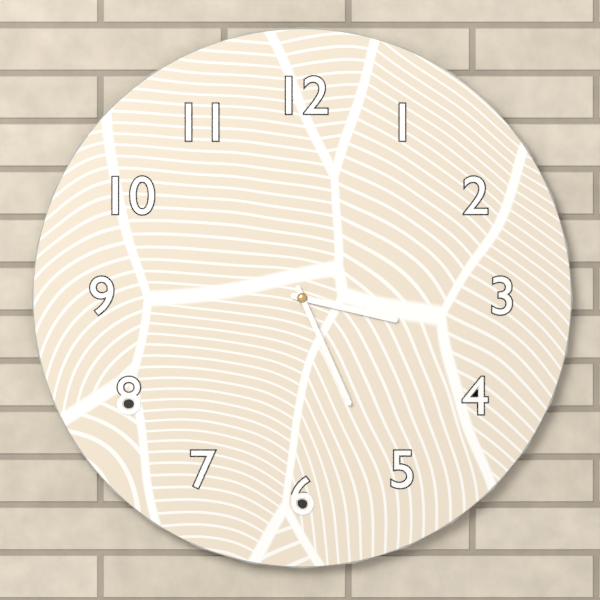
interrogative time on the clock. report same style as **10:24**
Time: **3:26**
